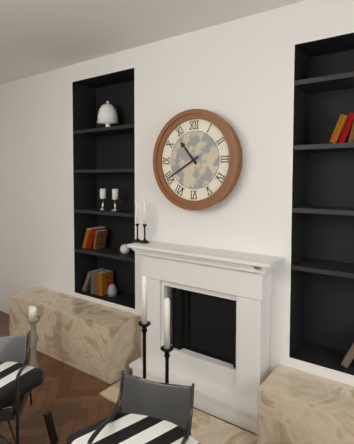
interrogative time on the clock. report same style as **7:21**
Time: **10:40**
